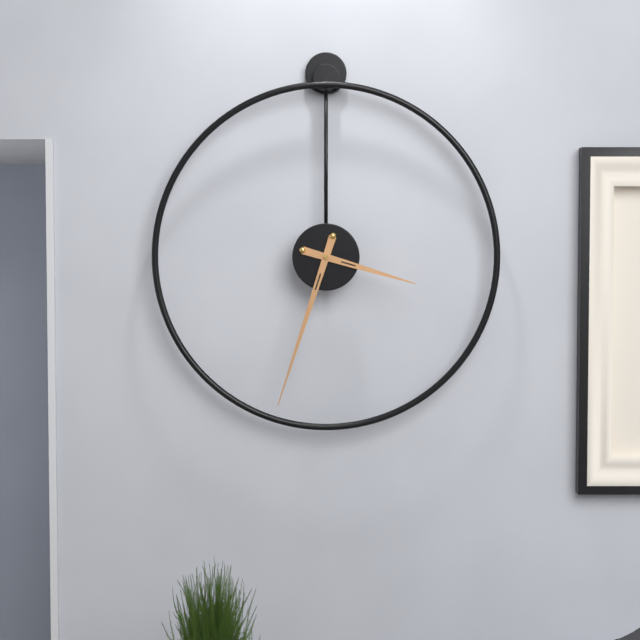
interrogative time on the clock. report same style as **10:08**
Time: **3:33**
